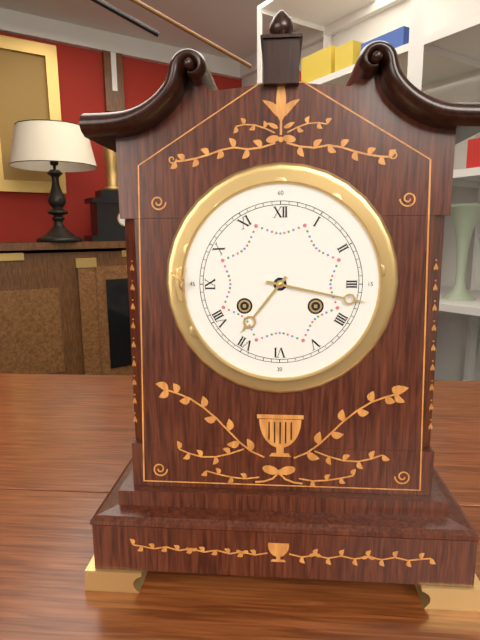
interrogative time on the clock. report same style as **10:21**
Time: **7:17**
